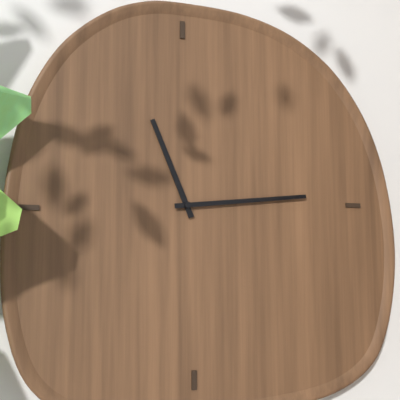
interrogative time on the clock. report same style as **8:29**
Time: **11:14**
